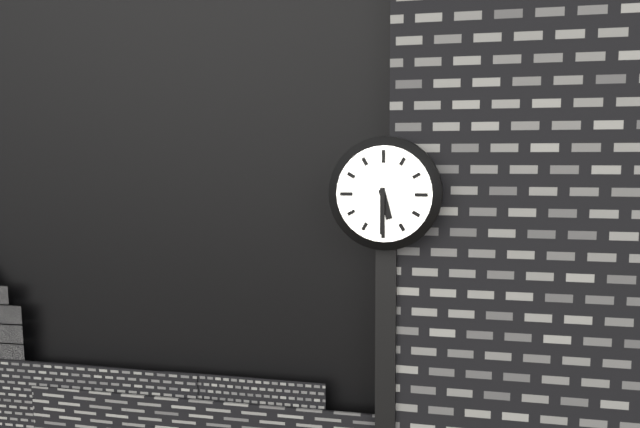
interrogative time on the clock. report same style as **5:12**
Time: **5:30**
